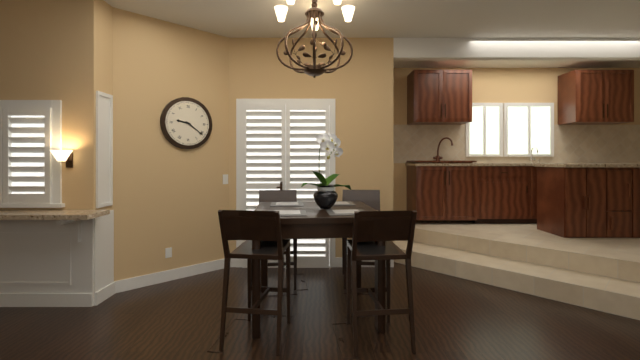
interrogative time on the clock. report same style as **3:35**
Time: **9:21**
